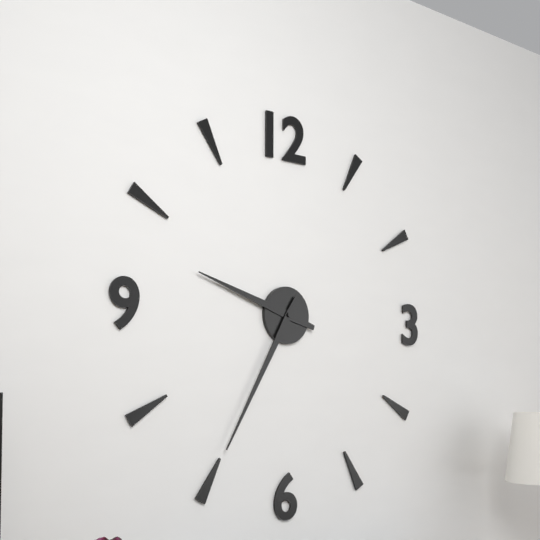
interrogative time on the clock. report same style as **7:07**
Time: **9:35**
